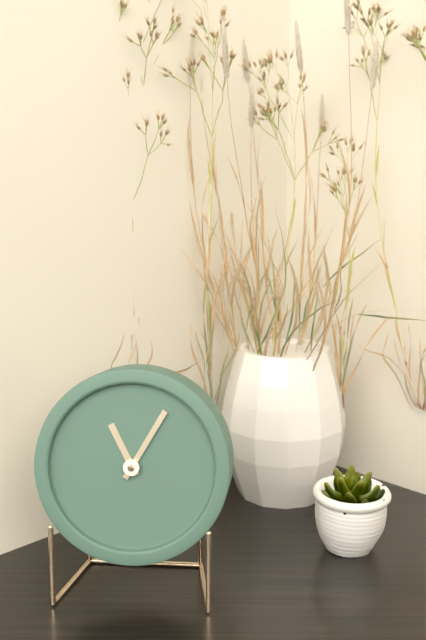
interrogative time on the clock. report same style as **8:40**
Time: **11:05**
